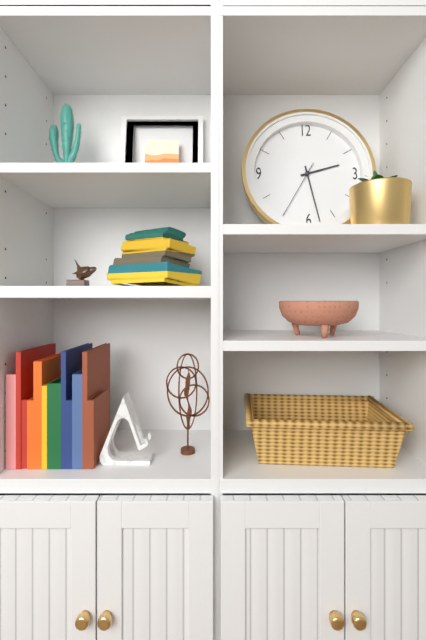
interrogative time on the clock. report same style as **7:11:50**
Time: **2:28:35**
